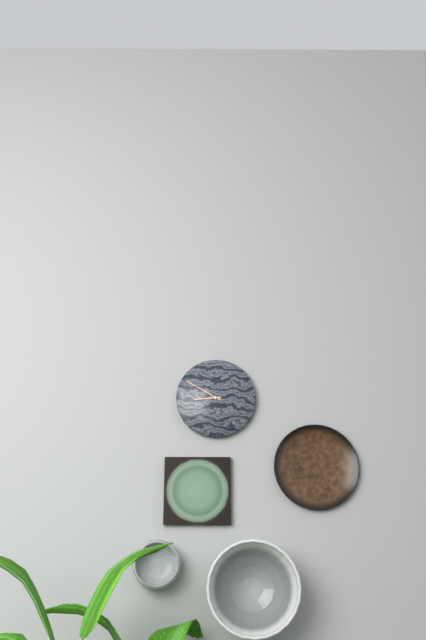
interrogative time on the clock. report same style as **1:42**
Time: **8:50**
